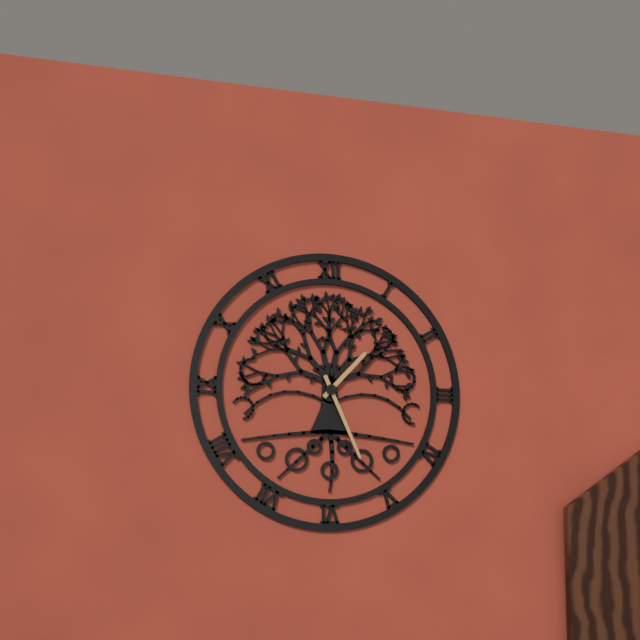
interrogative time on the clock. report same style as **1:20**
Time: **1:26**
